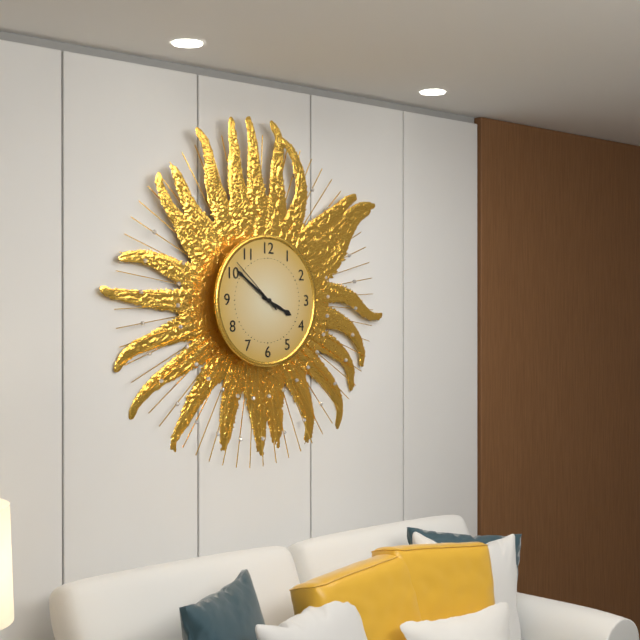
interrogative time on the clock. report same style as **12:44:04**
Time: **3:51:52**
